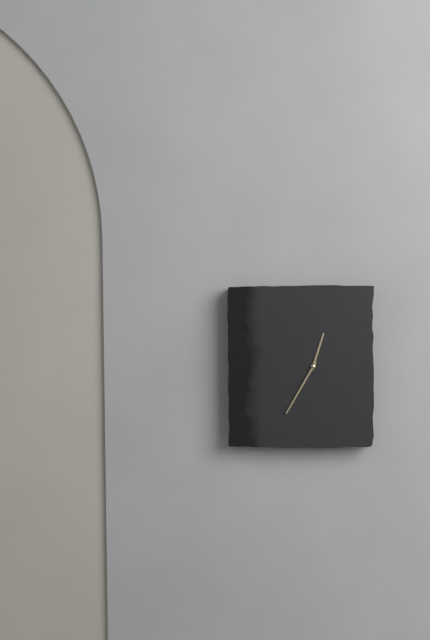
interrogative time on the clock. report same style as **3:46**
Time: **12:35**
